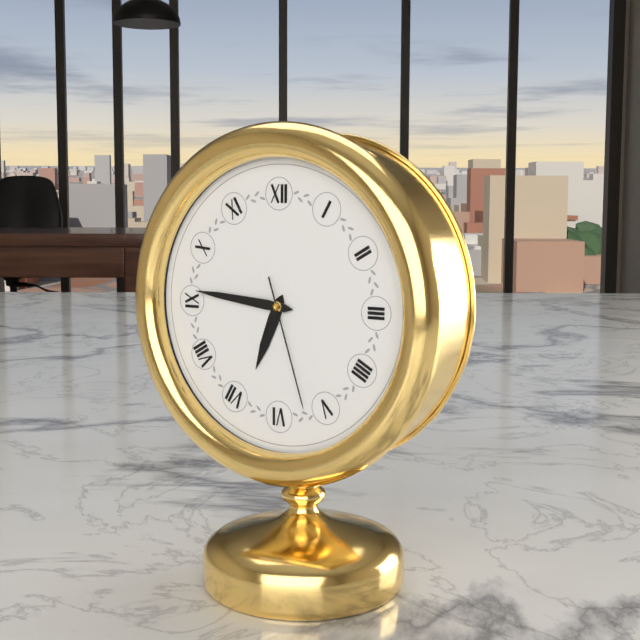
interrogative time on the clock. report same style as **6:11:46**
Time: **6:46:27**
